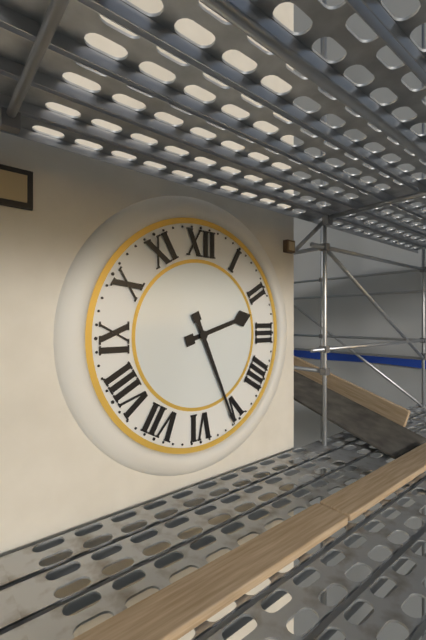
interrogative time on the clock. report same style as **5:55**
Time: **2:26**
